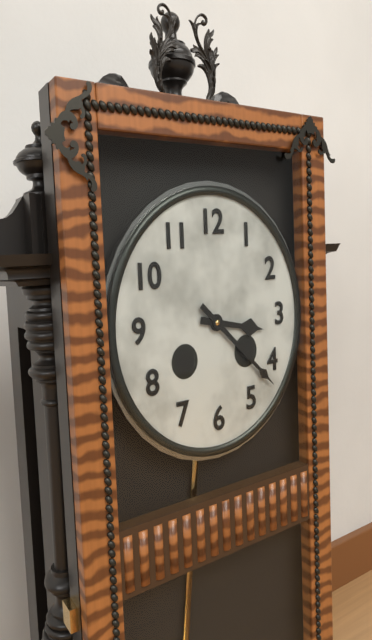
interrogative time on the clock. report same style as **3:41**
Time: **3:22**
